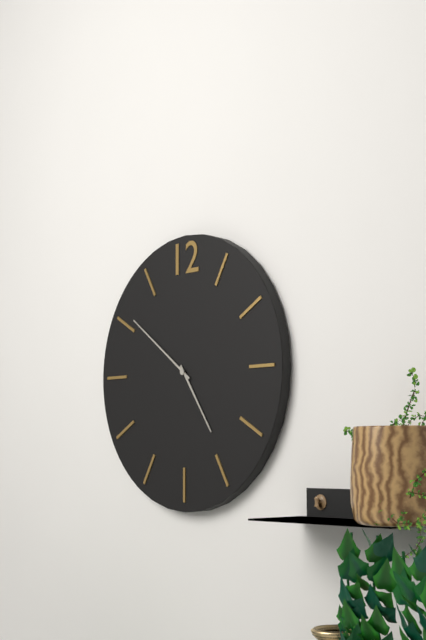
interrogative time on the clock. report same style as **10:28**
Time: **4:51**
